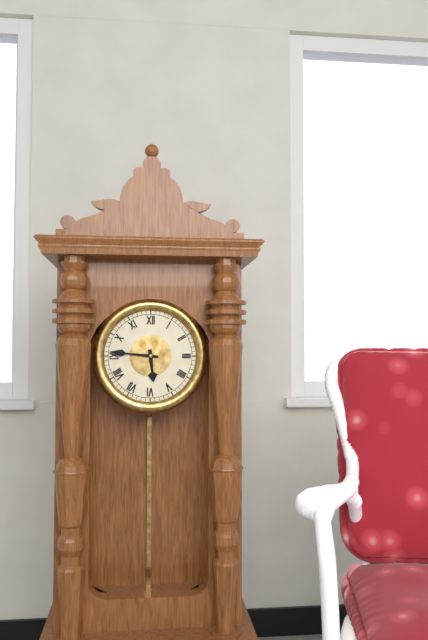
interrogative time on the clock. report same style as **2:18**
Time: **5:46**
